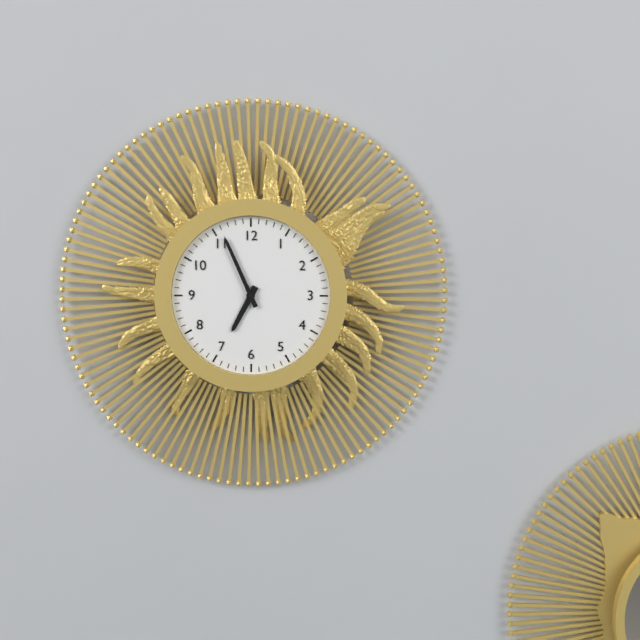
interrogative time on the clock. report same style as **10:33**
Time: **6:56**
